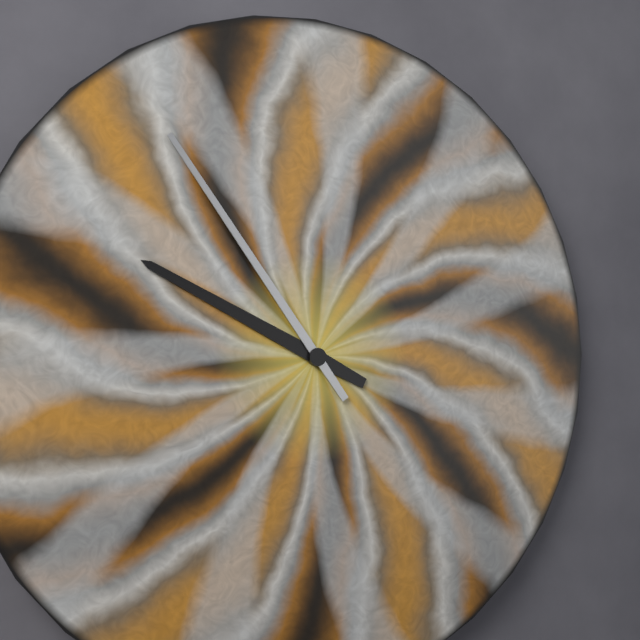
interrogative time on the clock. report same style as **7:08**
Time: **9:54**
